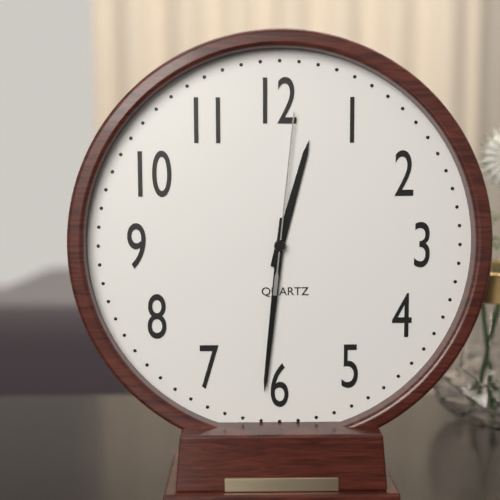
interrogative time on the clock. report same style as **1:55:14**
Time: **12:31:01**
